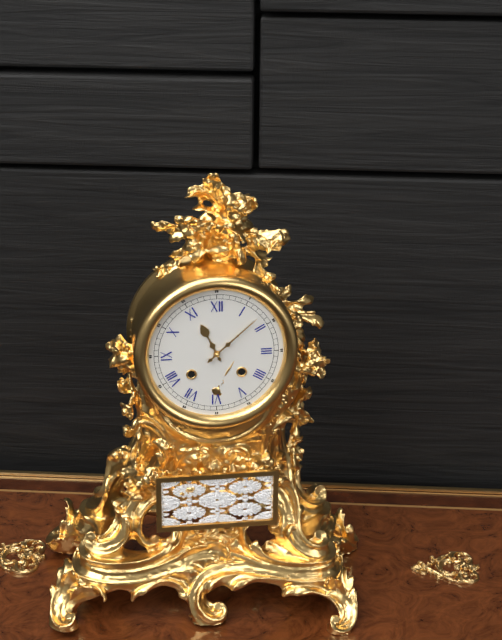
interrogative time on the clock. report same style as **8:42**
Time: **11:08**
